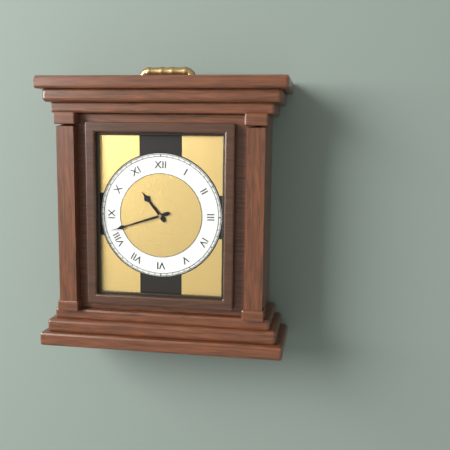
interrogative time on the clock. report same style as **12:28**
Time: **10:42**
